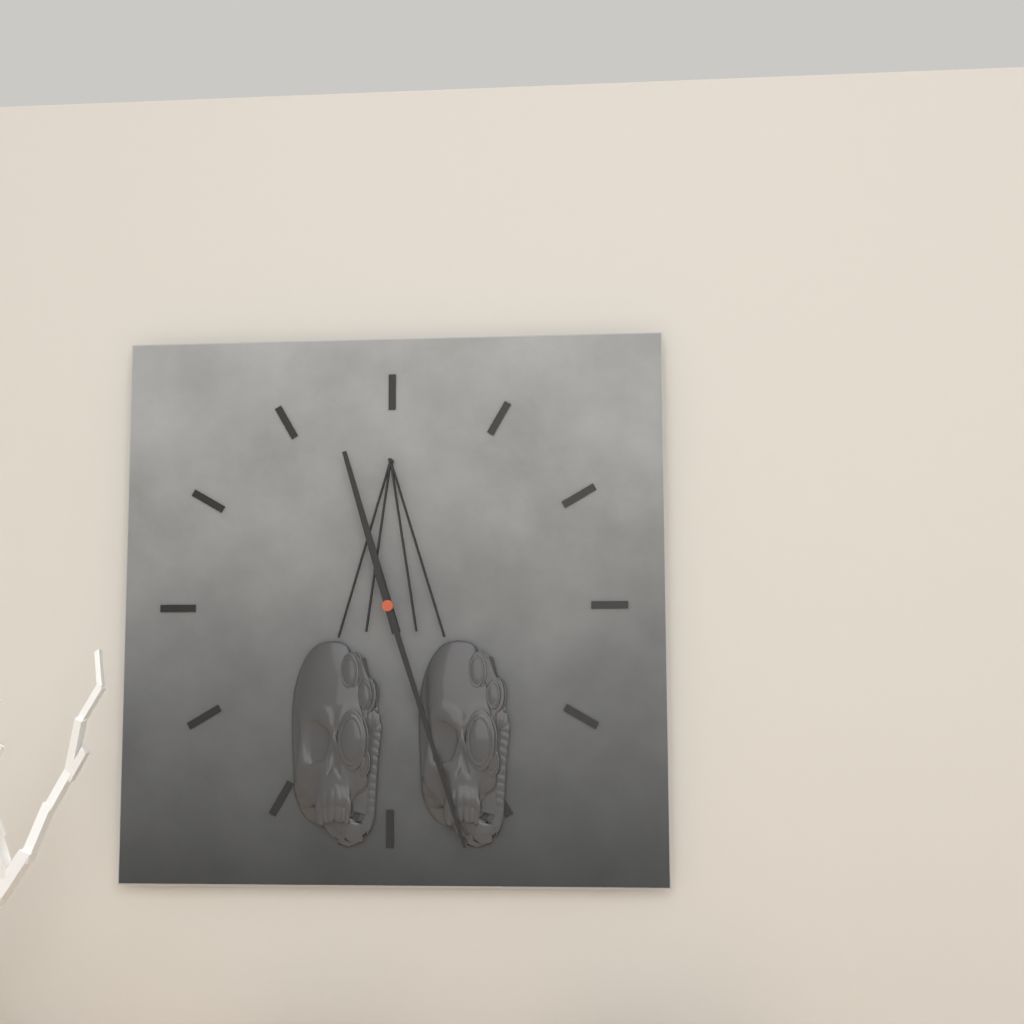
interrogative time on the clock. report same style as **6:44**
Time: **11:27**
